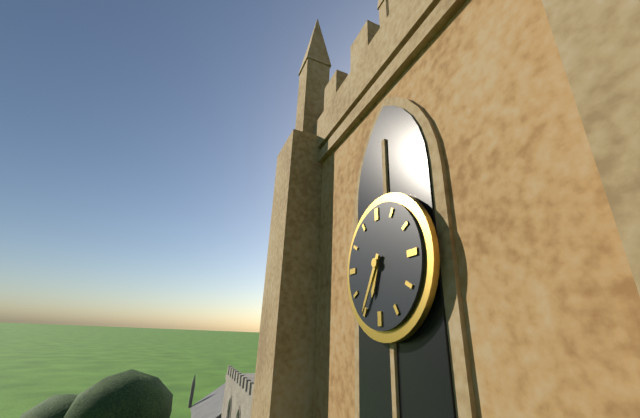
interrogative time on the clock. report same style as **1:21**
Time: **6:35**
